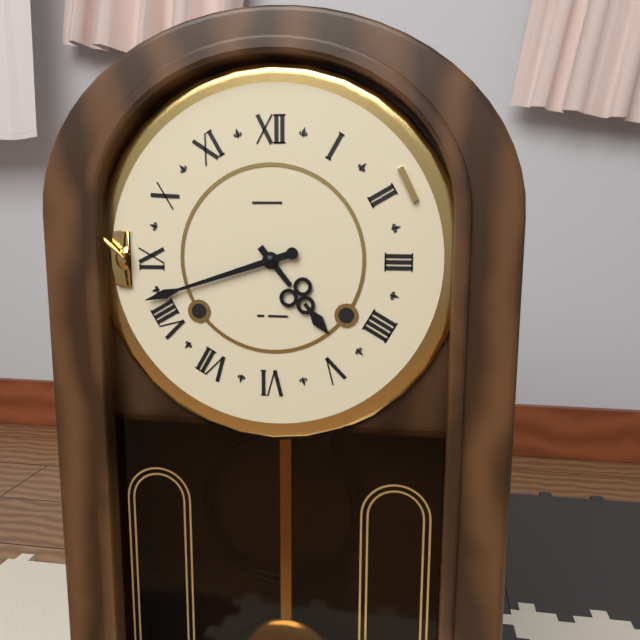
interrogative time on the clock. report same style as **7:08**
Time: **4:42**
